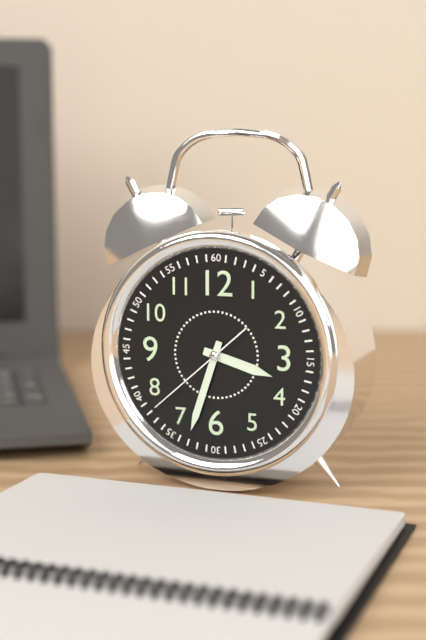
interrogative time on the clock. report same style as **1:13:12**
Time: **3:33:38**
